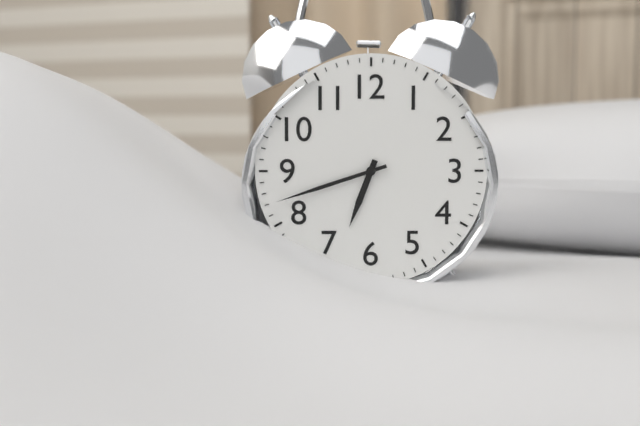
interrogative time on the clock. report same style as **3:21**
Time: **6:42**
